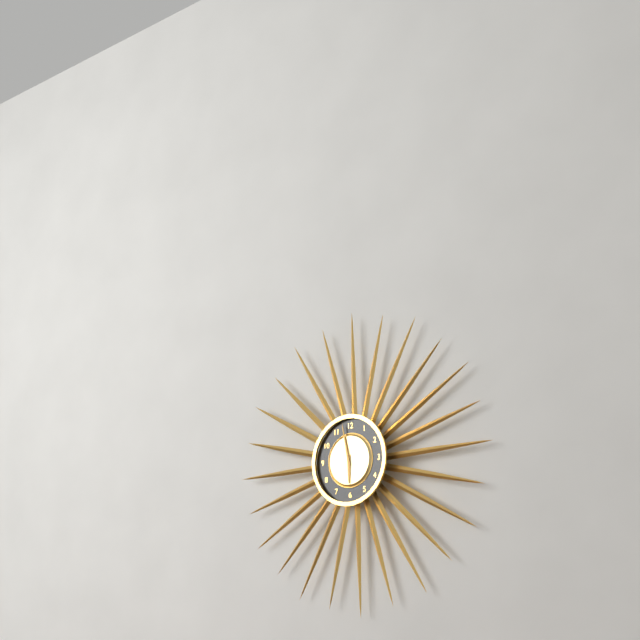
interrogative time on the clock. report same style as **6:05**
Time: **5:58**
